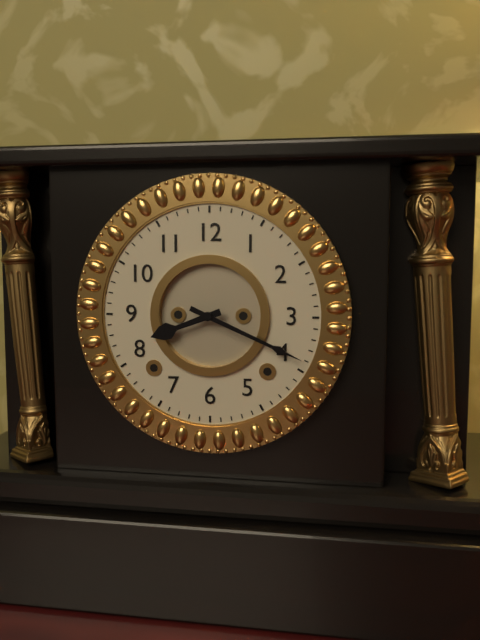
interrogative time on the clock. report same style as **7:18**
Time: **8:19**
